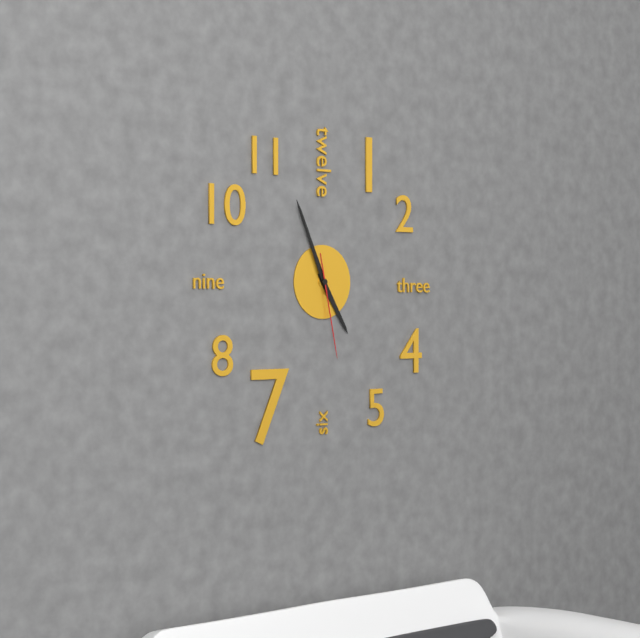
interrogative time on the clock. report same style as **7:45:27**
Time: **4:56:28**
